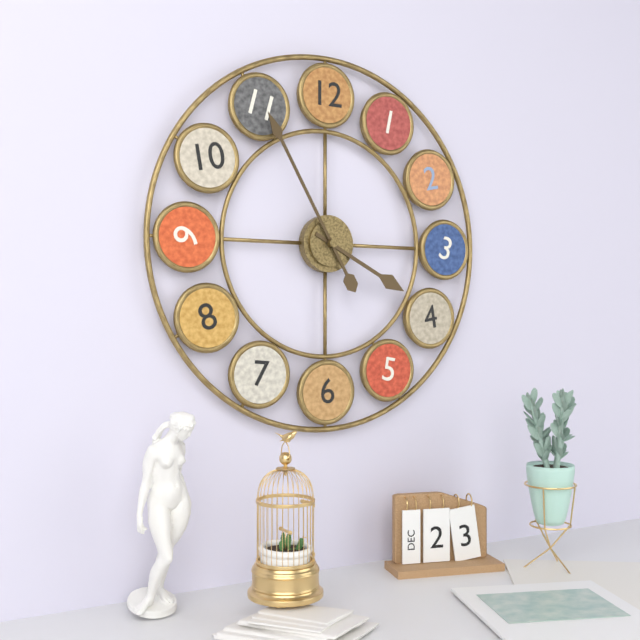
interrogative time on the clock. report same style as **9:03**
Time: **3:55**
